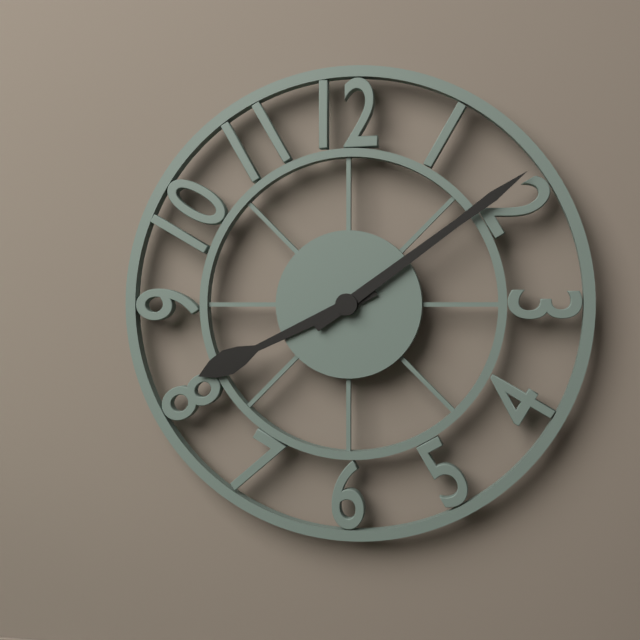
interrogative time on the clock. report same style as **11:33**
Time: **8:09**
